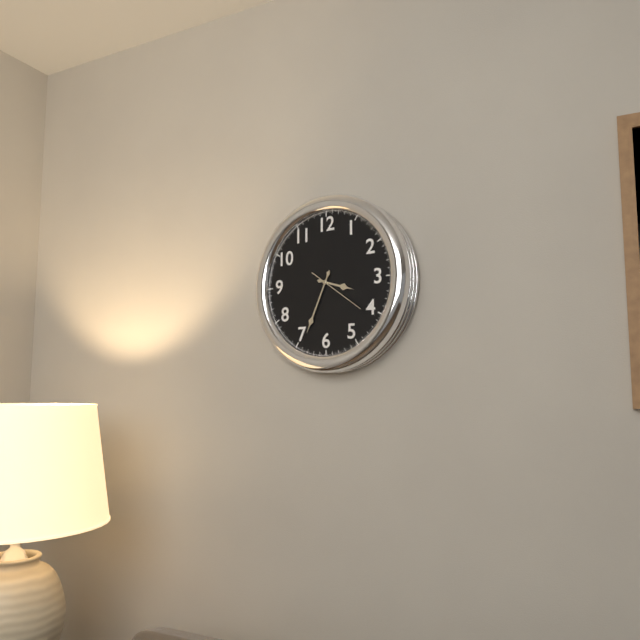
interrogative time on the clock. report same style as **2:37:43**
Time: **3:34:21**
